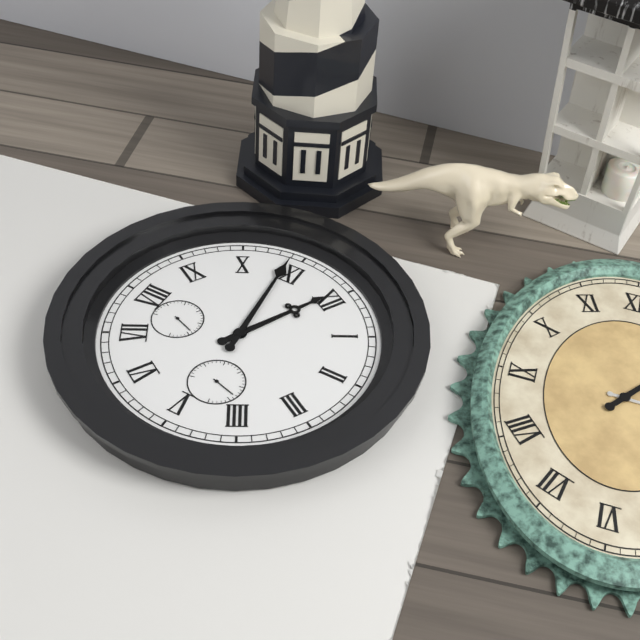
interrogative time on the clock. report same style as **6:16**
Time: **11:54**
